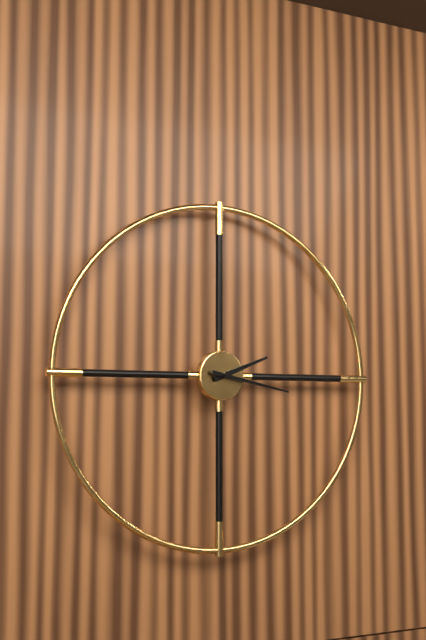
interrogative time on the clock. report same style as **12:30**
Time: **2:17**
